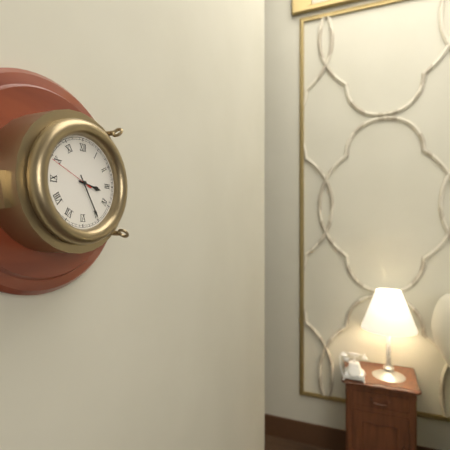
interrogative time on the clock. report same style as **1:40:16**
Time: **3:25:49**
